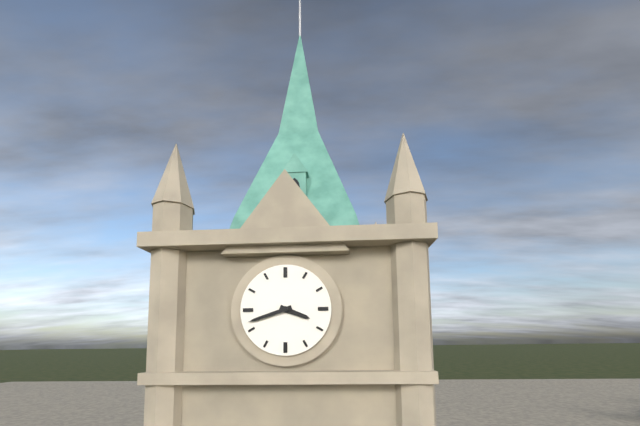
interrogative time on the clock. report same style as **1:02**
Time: **3:42**
